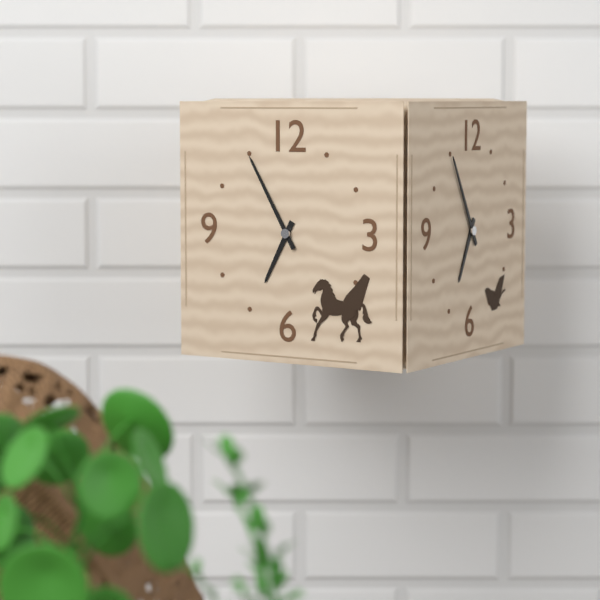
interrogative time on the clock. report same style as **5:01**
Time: **6:55**
